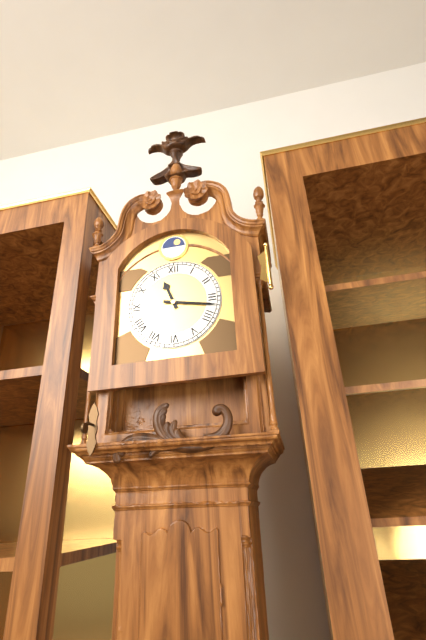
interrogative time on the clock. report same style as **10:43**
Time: **11:17**
